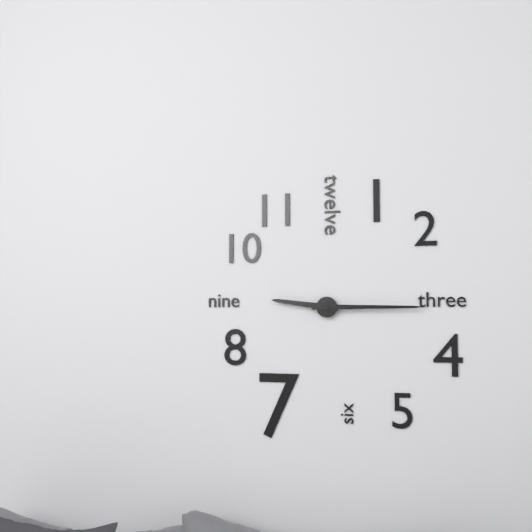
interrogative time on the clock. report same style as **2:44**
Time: **9:15**
